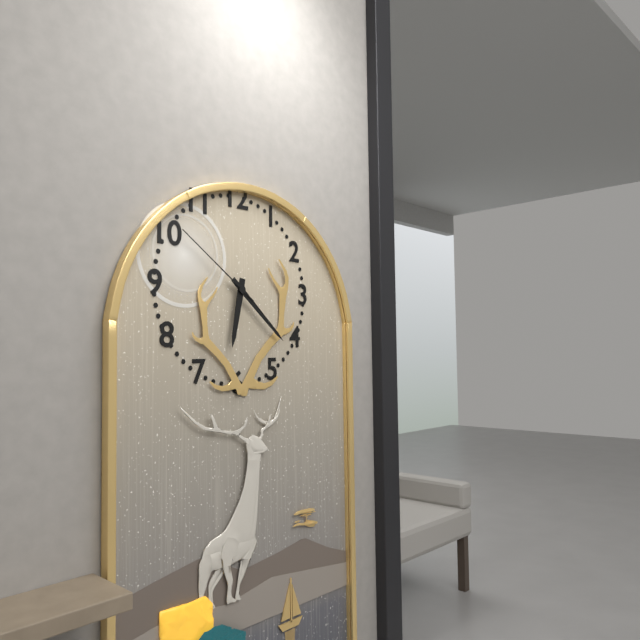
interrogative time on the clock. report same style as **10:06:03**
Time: **6:22:51**
